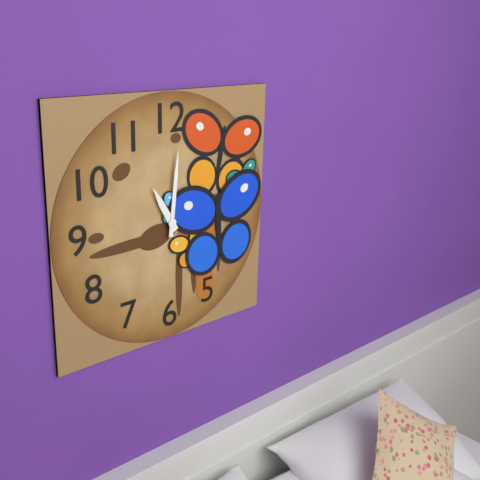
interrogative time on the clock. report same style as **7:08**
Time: **11:01**
